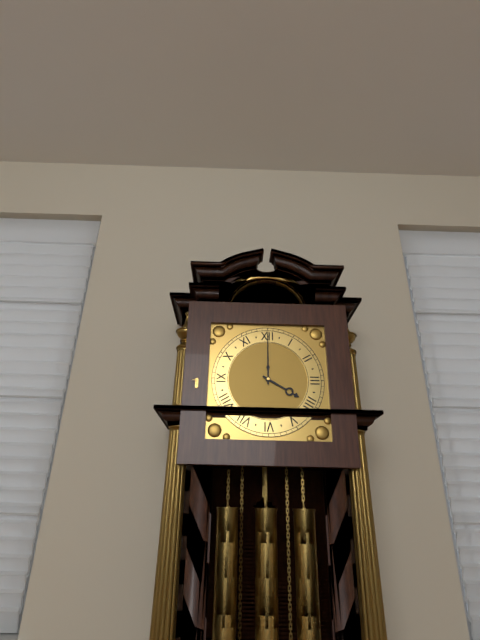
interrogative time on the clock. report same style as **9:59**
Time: **4:00**
